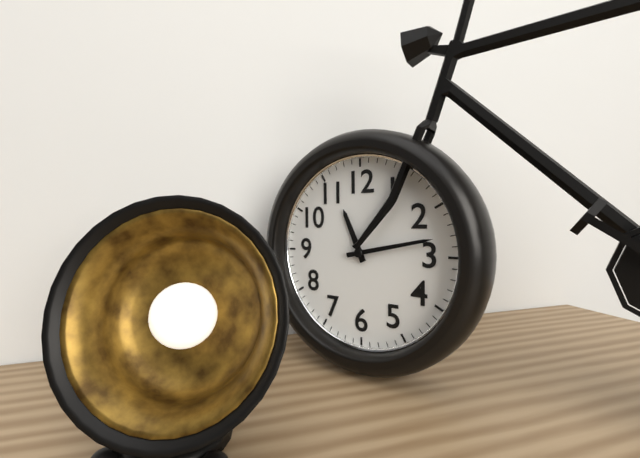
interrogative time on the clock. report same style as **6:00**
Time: **11:13**
